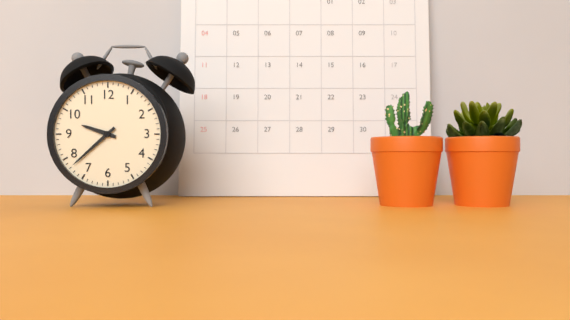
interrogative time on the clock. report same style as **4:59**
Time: **9:38**
